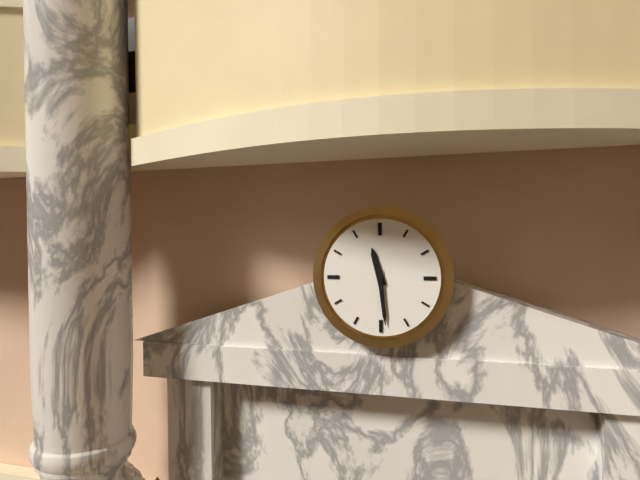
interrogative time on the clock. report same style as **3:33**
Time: **11:29**
